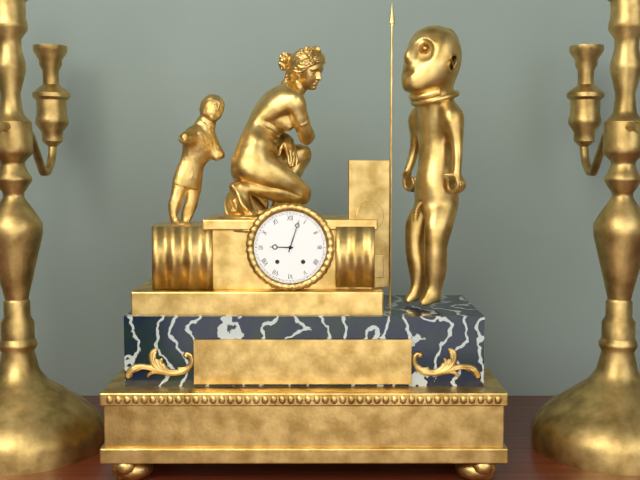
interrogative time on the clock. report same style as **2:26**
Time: **9:03**
